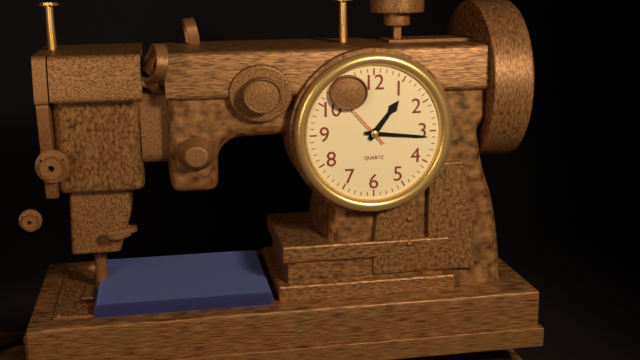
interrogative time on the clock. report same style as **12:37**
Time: **1:16**
